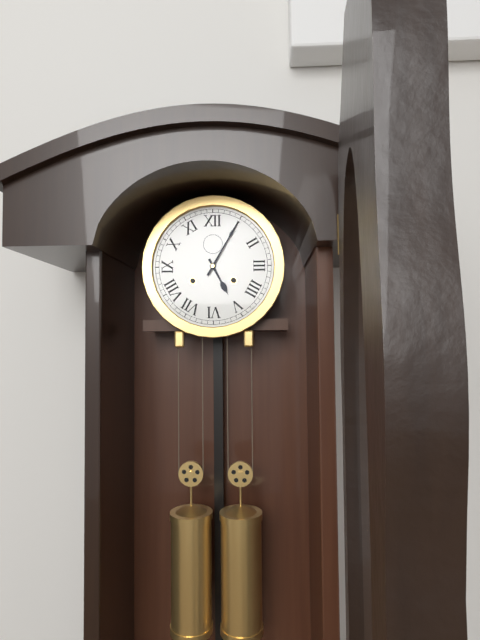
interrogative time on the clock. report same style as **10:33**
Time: **5:05**
